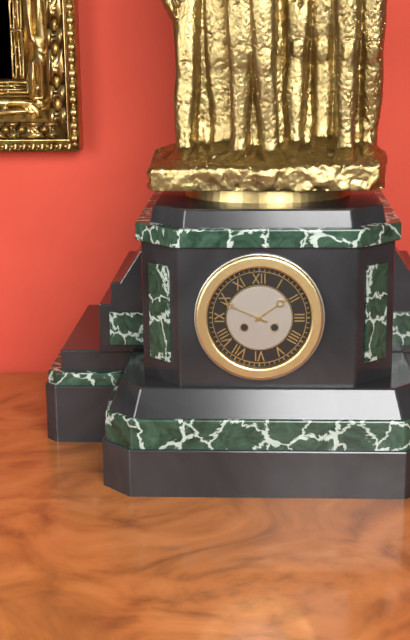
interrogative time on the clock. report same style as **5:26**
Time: **1:49**
